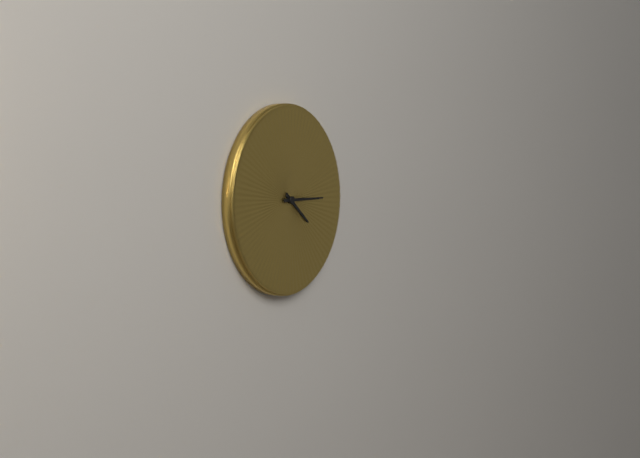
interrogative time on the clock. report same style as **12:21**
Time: **4:15**
